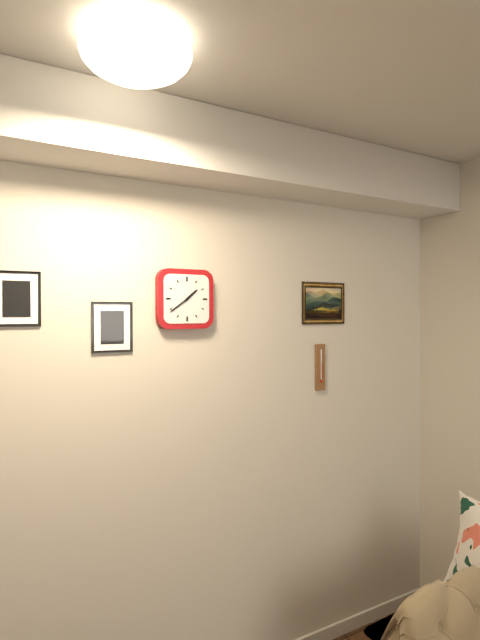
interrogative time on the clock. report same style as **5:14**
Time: **1:39**
